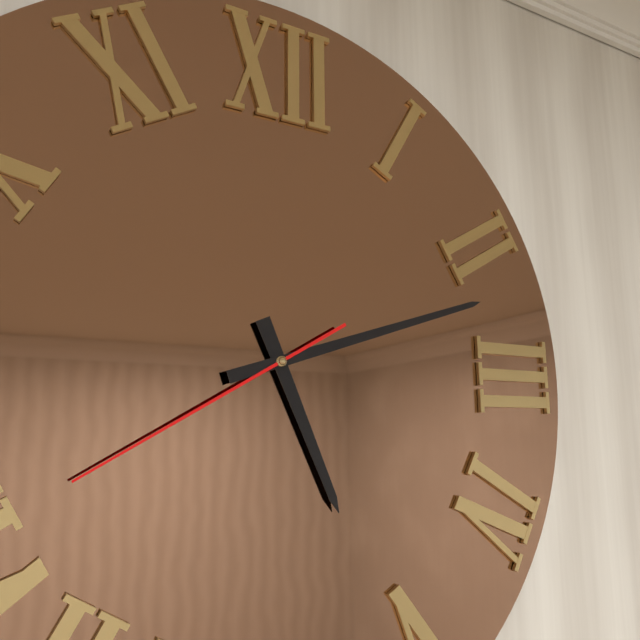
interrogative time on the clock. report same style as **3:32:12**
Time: **5:12:40**
